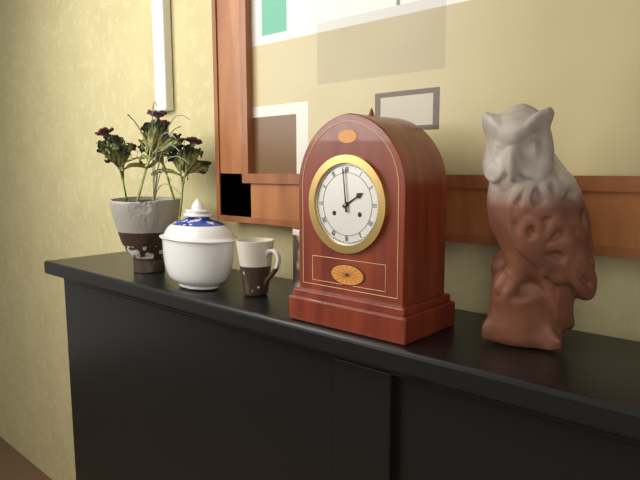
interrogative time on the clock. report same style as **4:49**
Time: **1:59**
